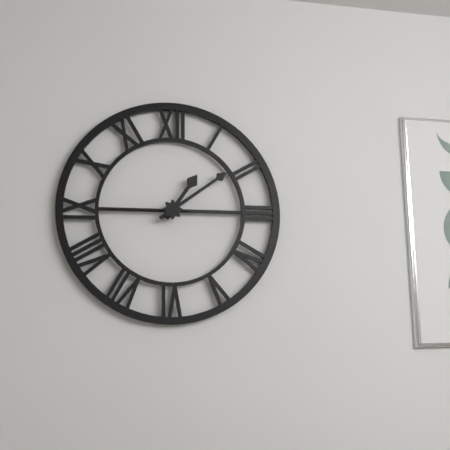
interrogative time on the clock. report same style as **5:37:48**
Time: **1:09:45**
